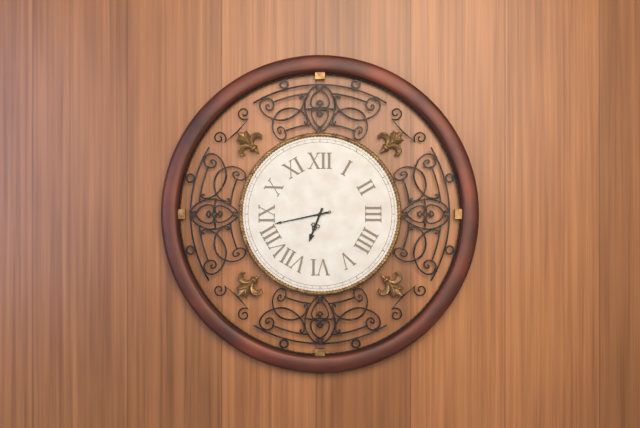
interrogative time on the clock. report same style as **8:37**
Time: **6:43**
